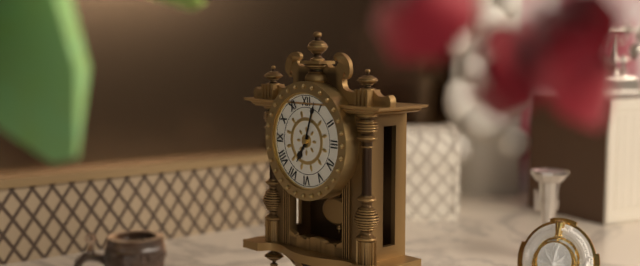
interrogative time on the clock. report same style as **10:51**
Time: **7:03**
